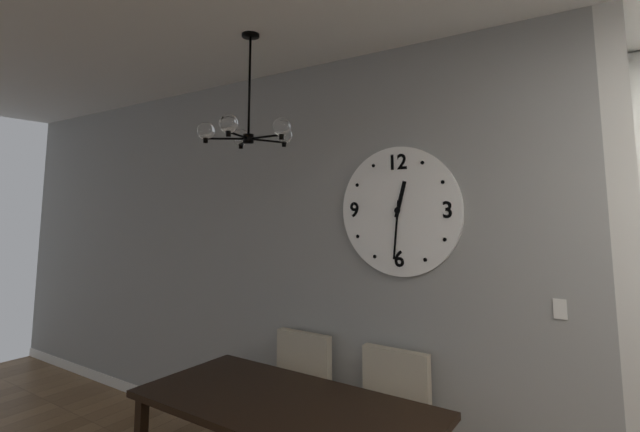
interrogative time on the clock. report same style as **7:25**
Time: **12:31**
